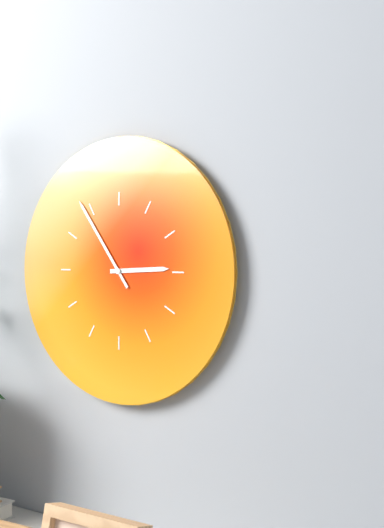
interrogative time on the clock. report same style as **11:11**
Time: **2:54**
